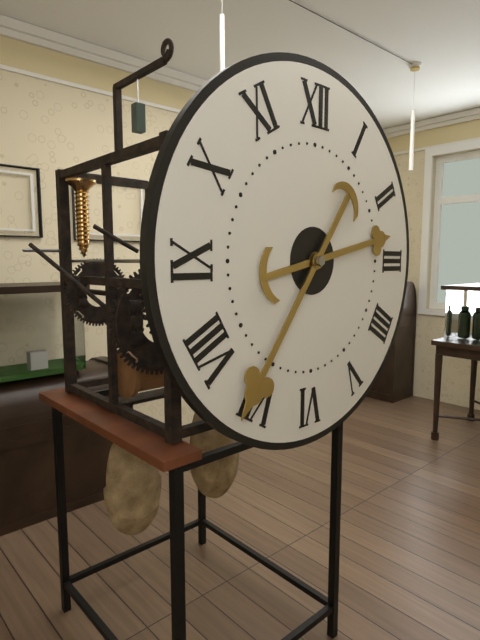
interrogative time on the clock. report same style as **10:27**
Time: **2:36**
